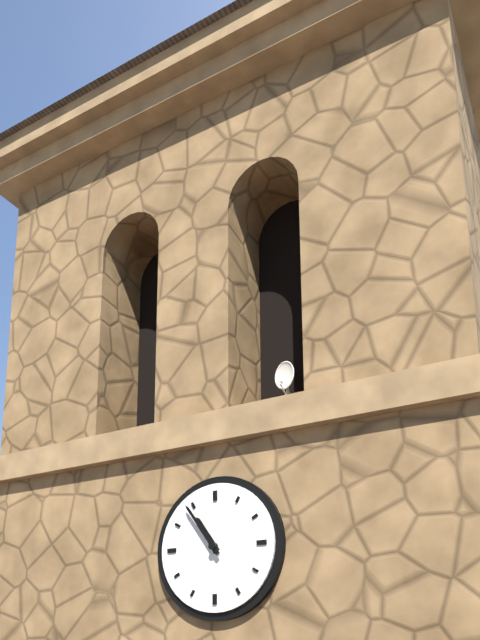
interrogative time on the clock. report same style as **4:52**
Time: **10:54**
